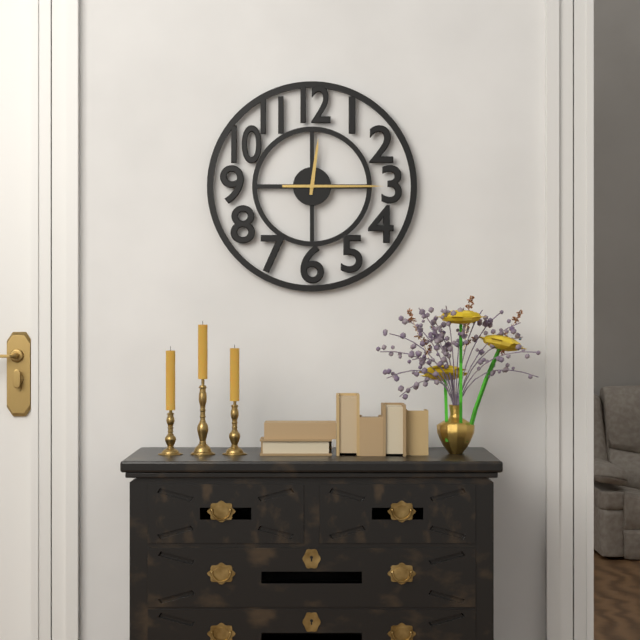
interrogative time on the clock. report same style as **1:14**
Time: **12:15**
